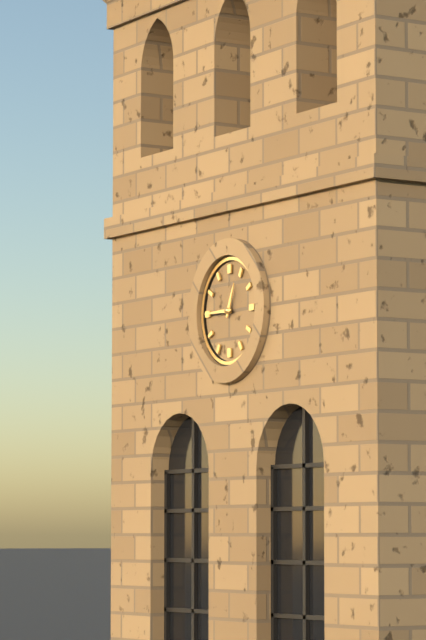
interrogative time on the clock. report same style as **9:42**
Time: **12:45**
